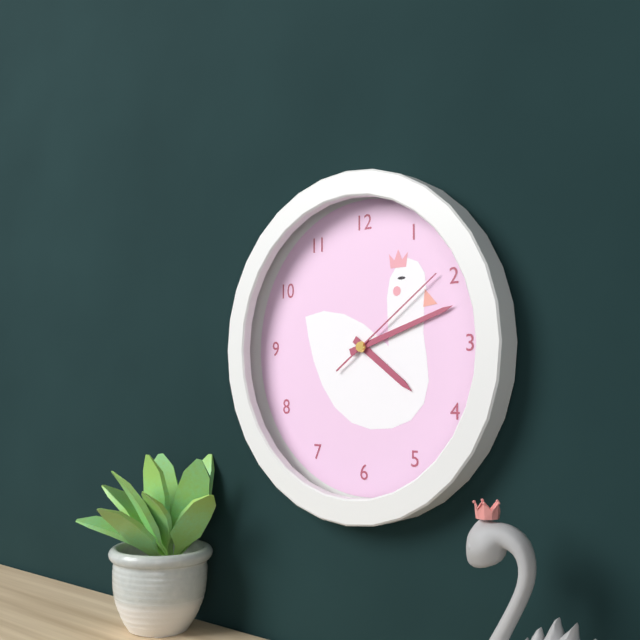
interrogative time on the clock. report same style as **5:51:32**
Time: **4:12:09**
